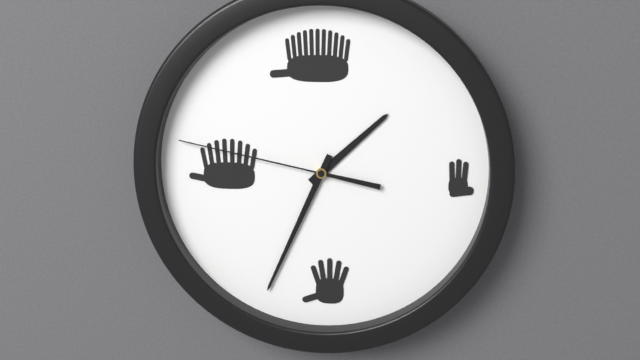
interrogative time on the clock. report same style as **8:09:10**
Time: **1:34:47**
